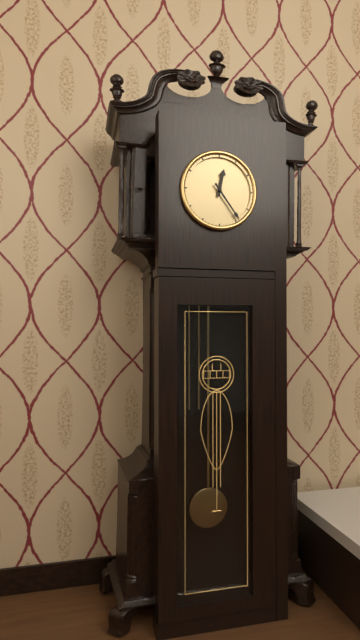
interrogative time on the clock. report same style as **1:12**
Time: **12:24**
